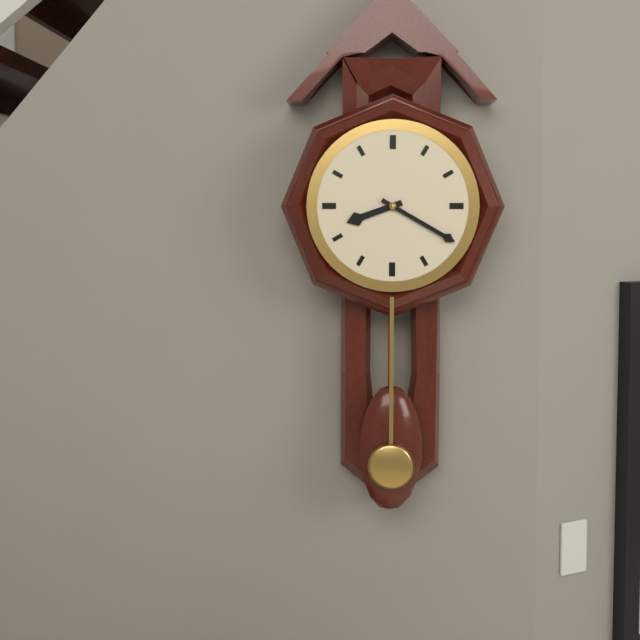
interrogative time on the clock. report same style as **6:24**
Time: **8:20**
